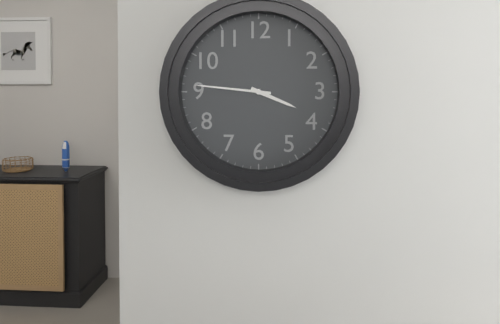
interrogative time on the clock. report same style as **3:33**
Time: **3:46**
